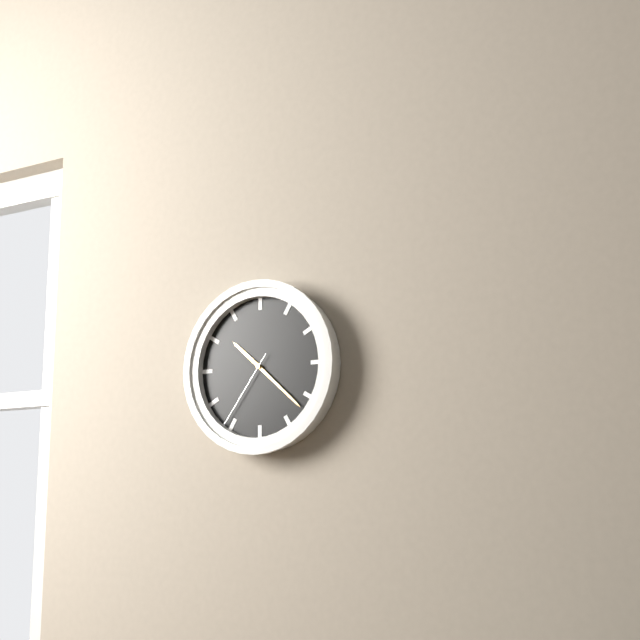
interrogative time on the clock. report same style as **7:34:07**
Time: **10:22:36**
